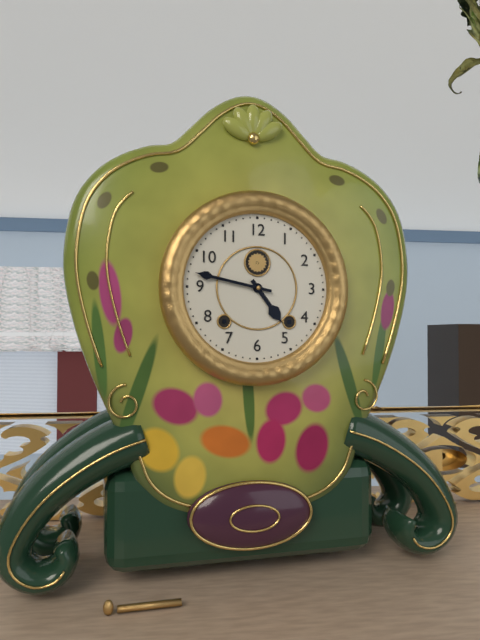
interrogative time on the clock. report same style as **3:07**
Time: **4:47**
